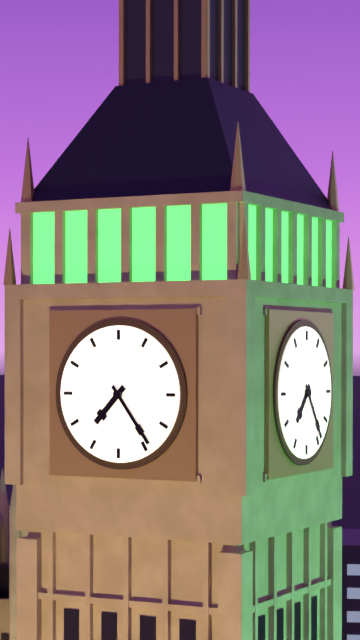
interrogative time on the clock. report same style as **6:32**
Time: **7:24**
